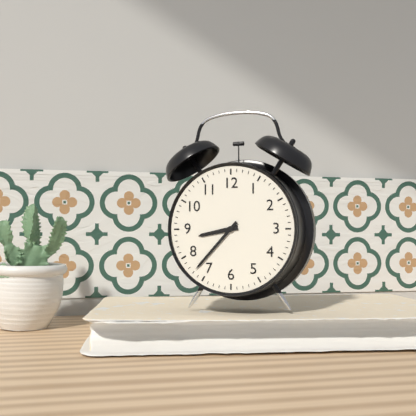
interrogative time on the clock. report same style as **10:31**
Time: **8:37**
